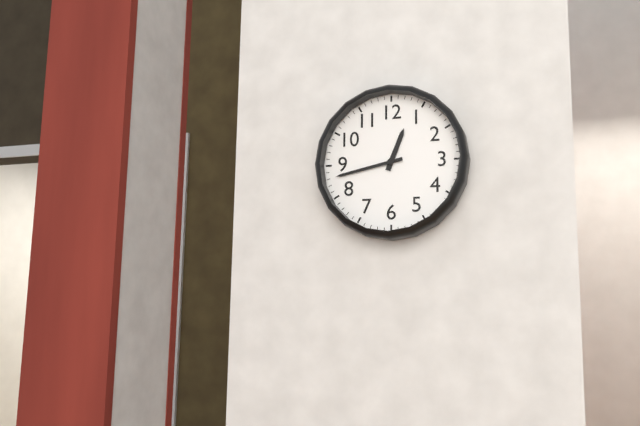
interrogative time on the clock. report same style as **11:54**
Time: **12:43**
